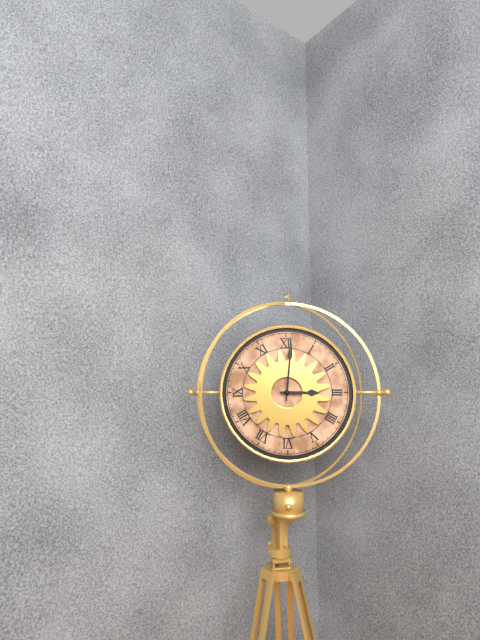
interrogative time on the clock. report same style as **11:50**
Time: **3:01**
